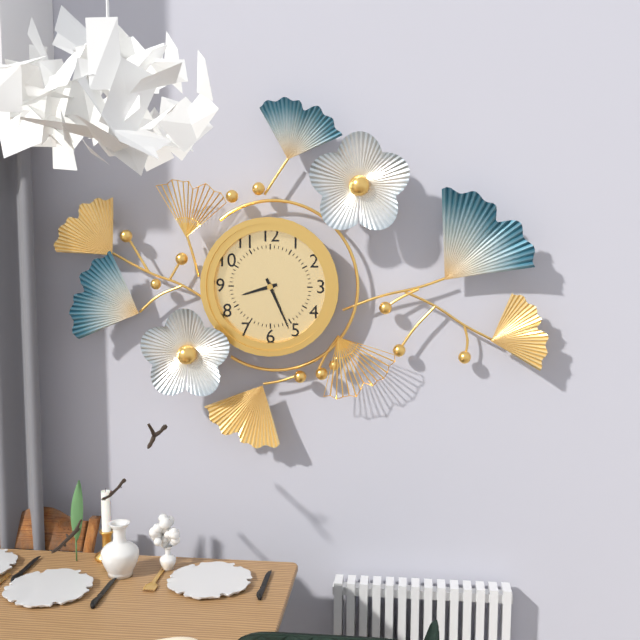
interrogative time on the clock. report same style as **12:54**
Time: **8:26**
